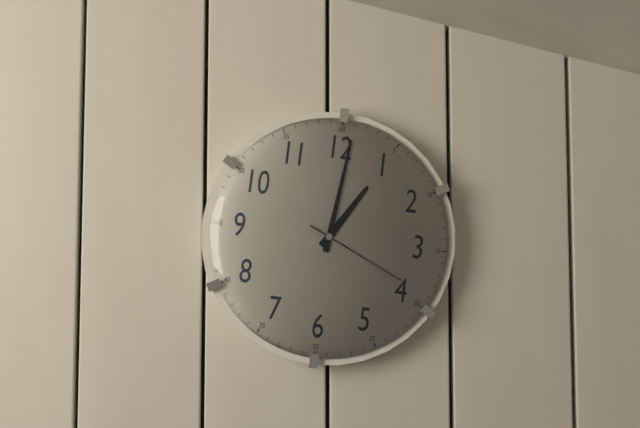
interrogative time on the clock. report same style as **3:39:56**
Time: **1:01:19**
